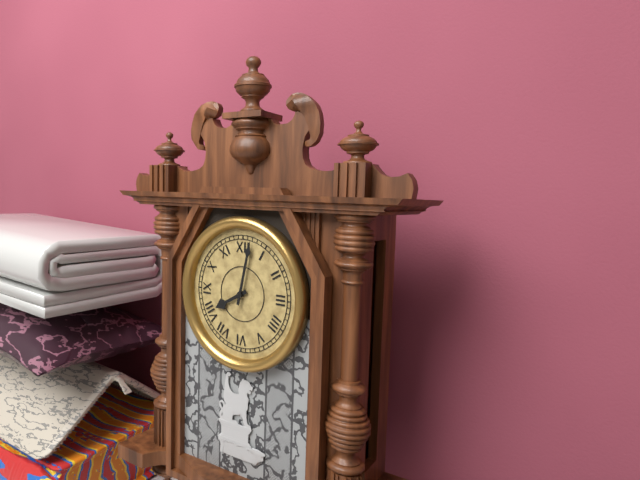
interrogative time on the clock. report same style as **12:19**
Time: **8:02**
